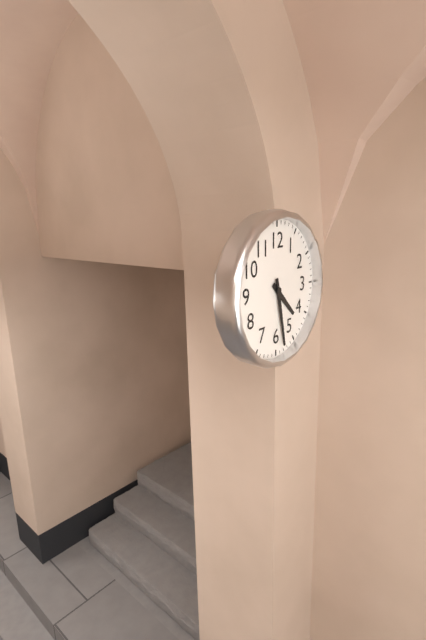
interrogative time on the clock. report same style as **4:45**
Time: **4:28**
